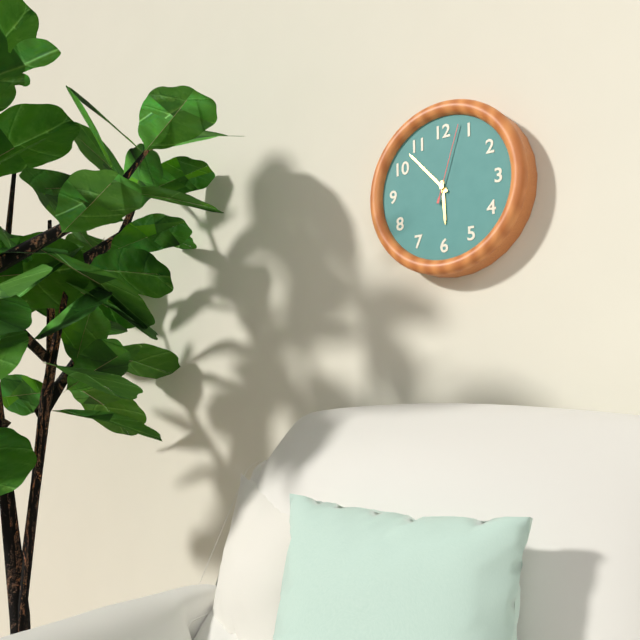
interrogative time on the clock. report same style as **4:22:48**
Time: **5:53:03**
